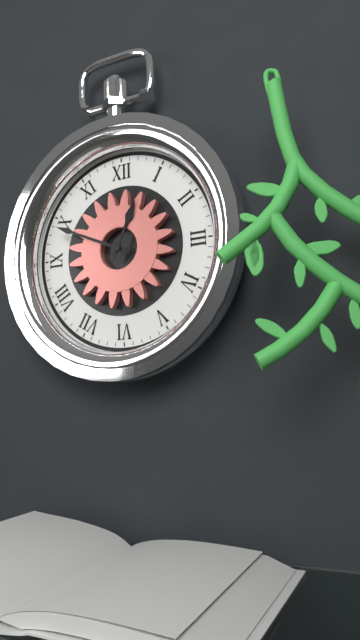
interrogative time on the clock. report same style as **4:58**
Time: **12:49**
